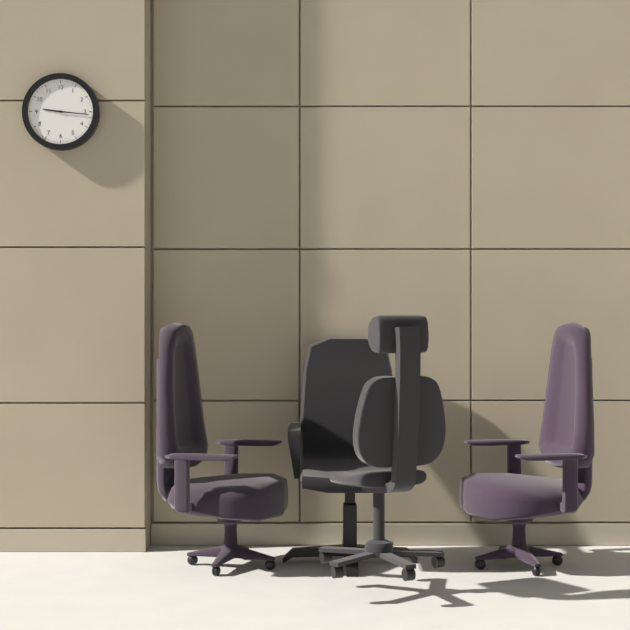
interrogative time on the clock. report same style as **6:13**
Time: **9:16**
